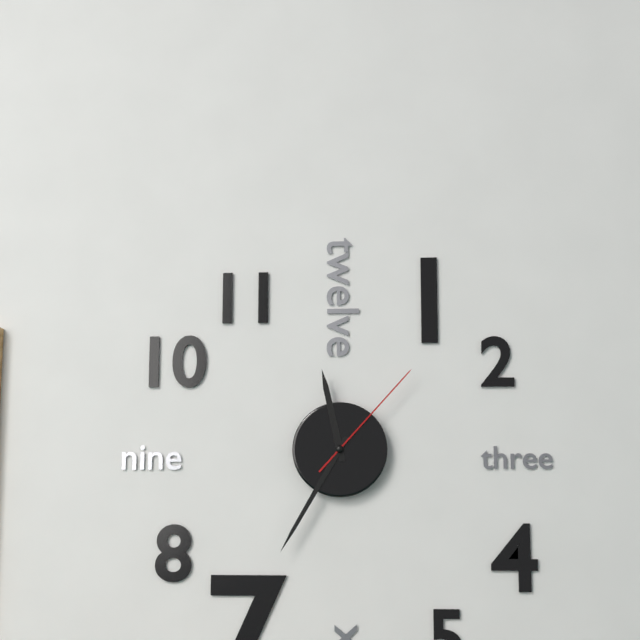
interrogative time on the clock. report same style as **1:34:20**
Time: **11:35:07**
